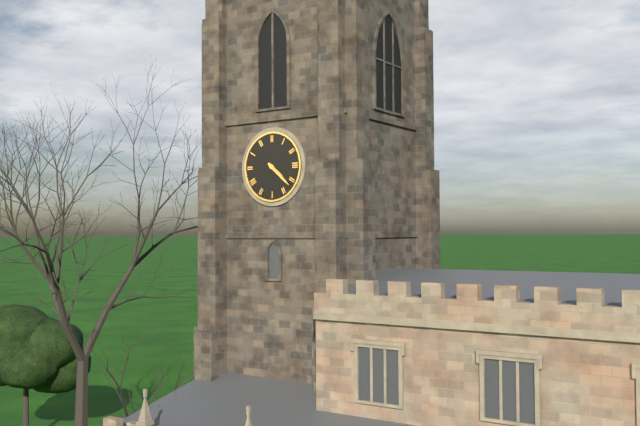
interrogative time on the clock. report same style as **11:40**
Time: **4:22**
